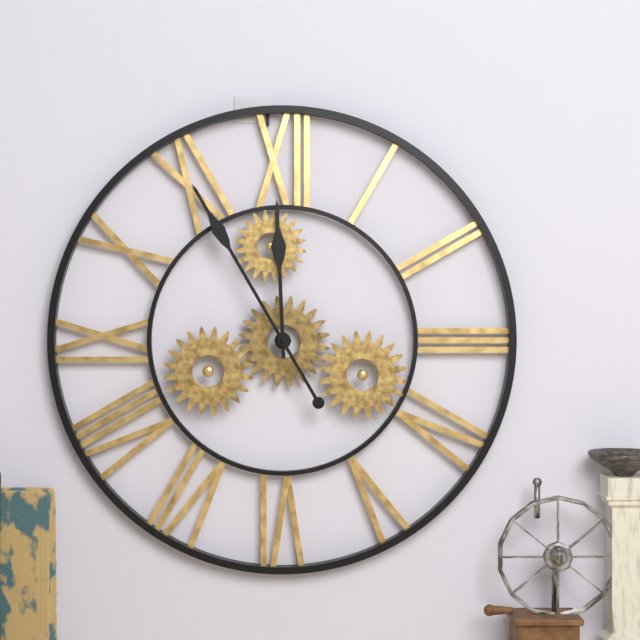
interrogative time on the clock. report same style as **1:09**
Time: **11:55**
